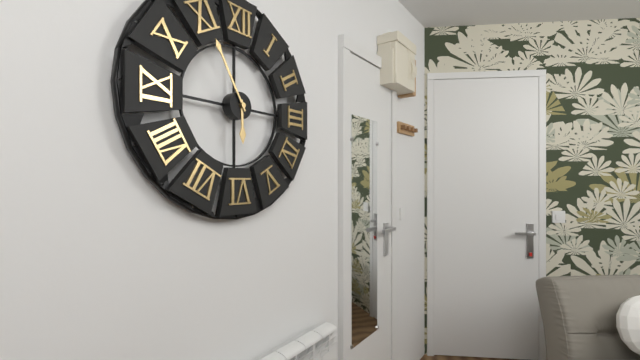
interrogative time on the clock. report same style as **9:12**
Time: **5:55**
